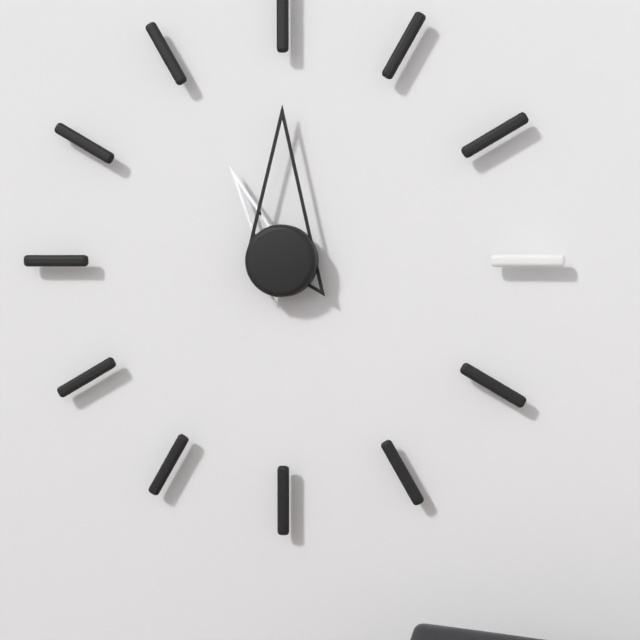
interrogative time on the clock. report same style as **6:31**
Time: **11:00**
